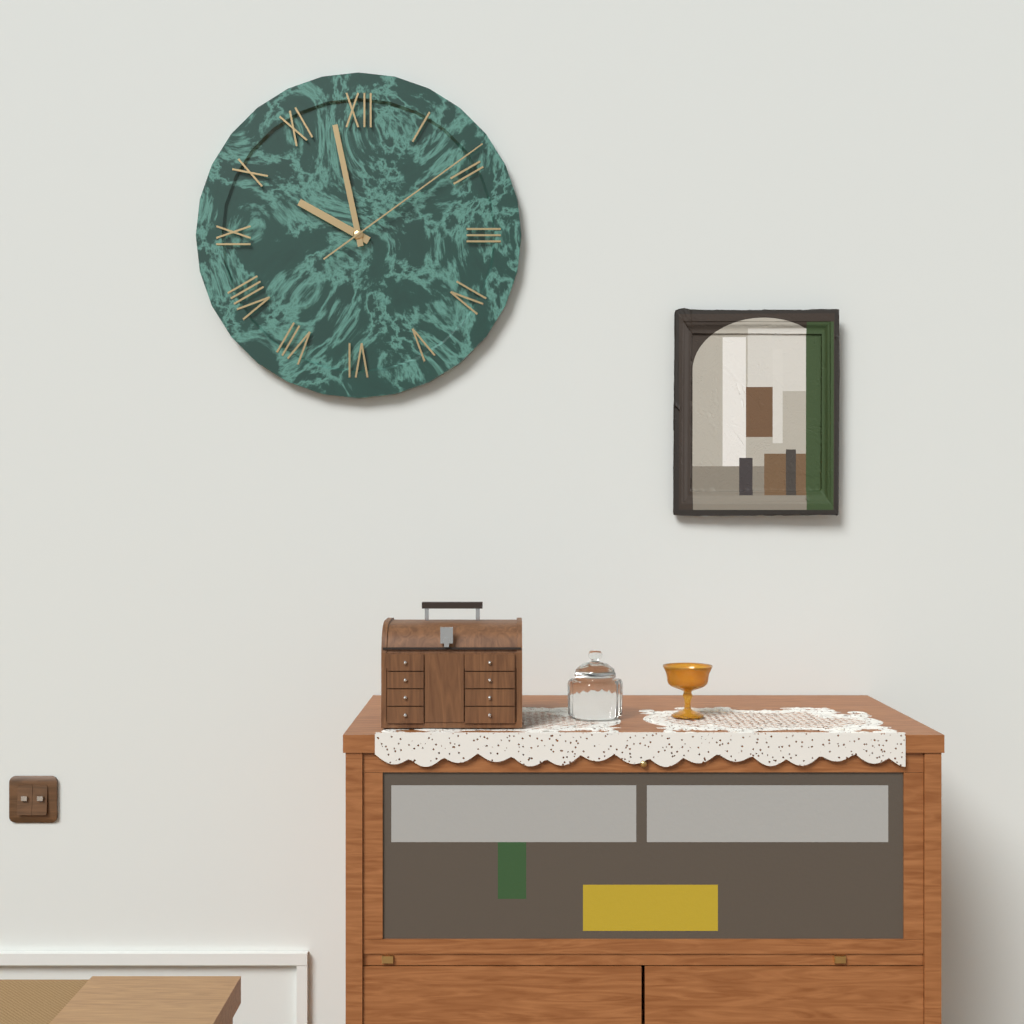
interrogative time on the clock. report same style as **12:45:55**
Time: **9:58:09**
